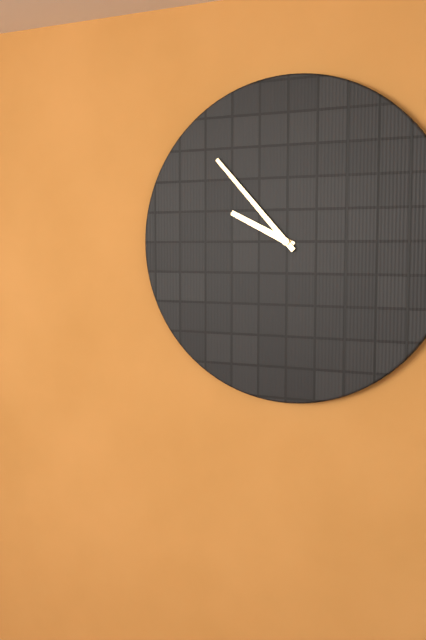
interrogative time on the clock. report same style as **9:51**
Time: **9:53**
